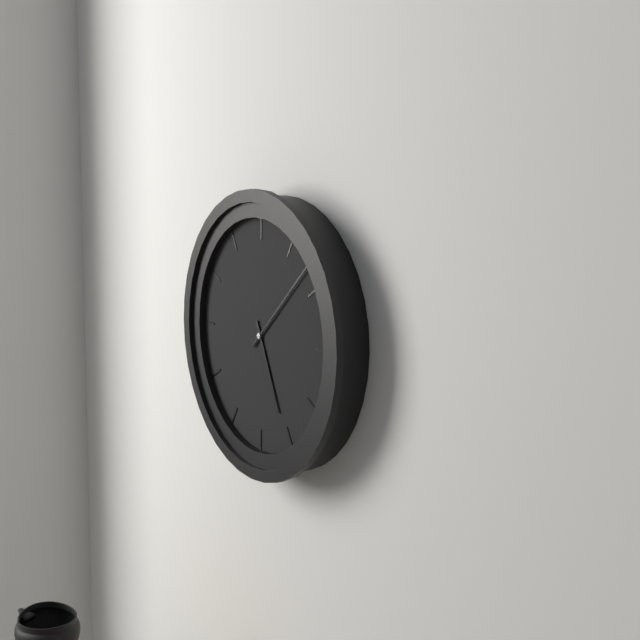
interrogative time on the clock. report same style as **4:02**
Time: **5:08**
